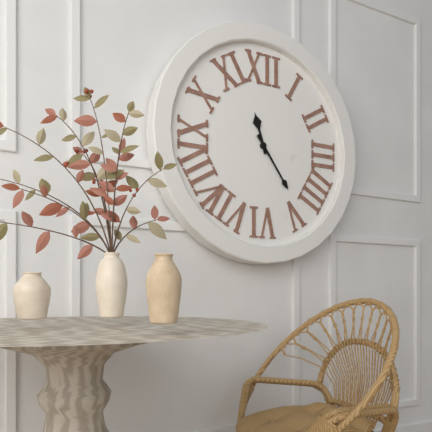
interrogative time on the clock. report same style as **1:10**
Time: **11:24**
